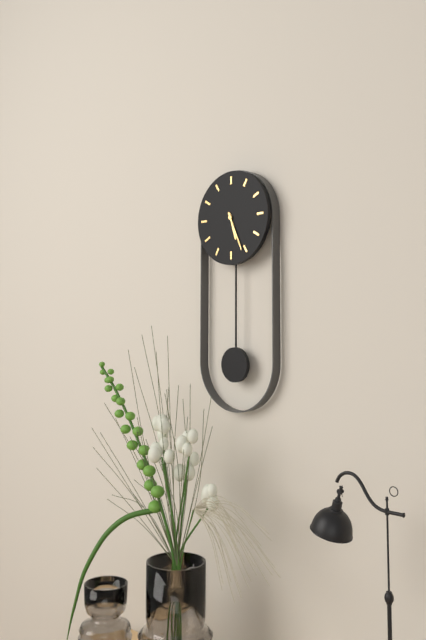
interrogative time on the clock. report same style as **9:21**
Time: **5:26**
